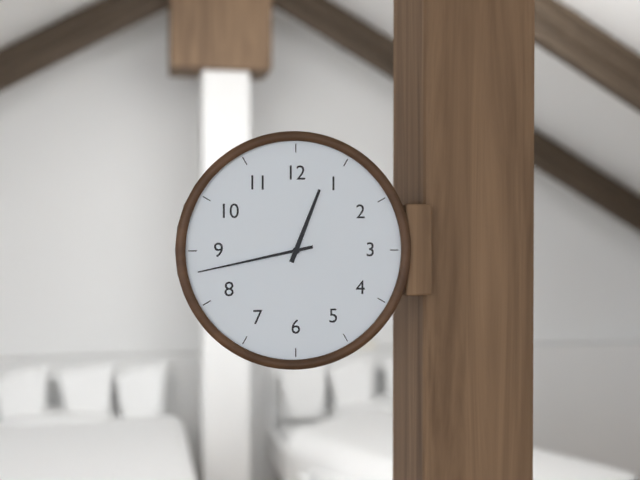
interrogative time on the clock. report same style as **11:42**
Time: **12:43**
